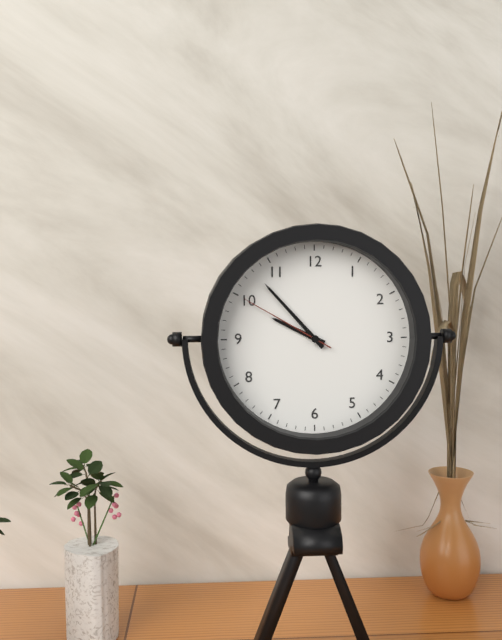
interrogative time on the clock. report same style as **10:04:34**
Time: **9:53:50**
